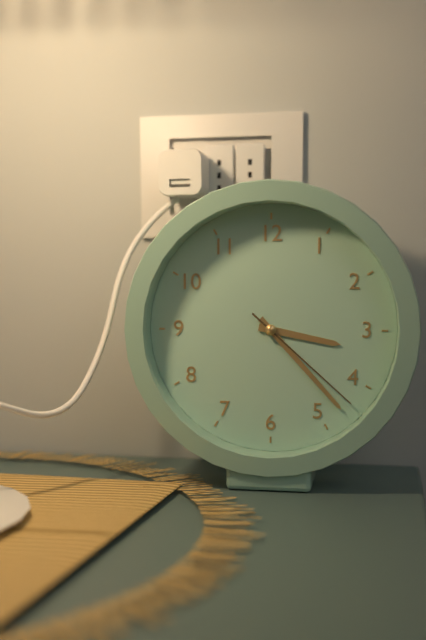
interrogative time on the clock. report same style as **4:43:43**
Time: **3:23:22**
